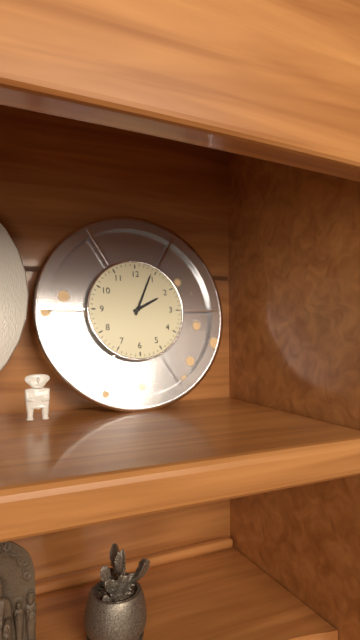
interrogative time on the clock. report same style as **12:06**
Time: **2:04**
